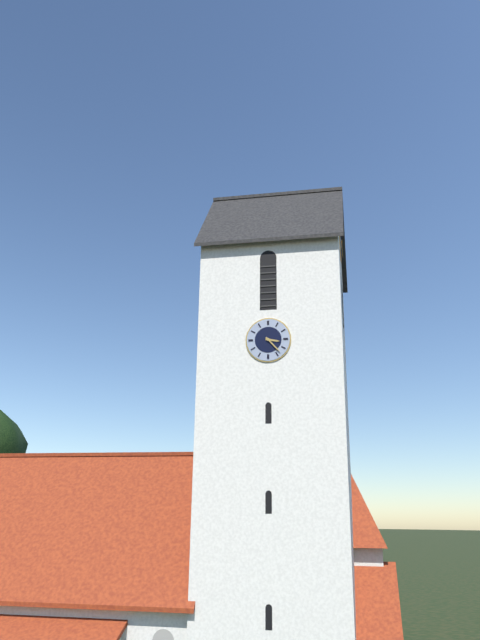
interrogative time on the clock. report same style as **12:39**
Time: **3:23**
